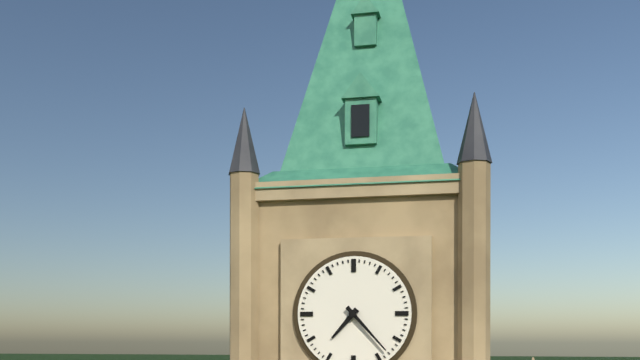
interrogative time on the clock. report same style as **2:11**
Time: **7:23**
